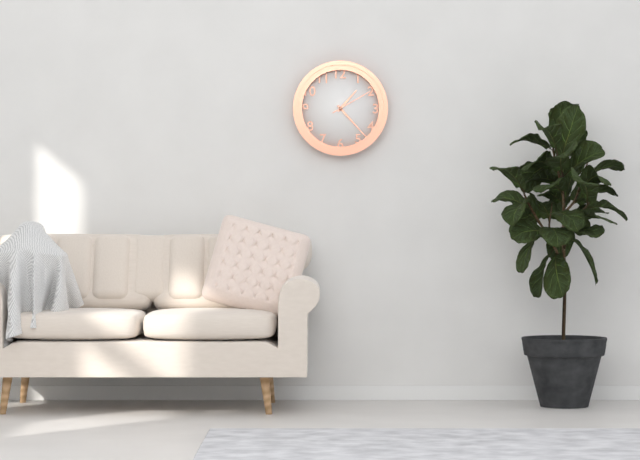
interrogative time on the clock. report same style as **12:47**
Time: **1:23**
